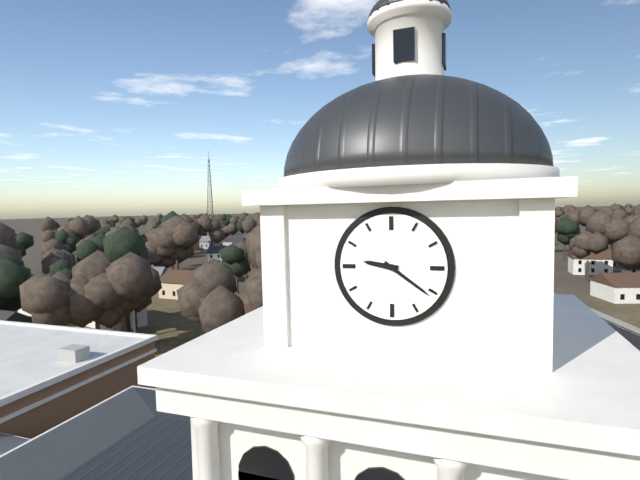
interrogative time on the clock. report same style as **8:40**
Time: **9:21**
